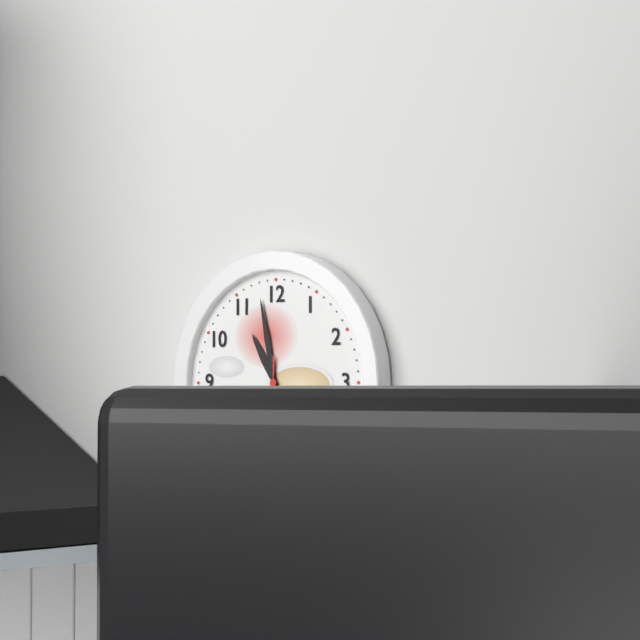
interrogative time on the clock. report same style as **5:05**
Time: **10:58**
